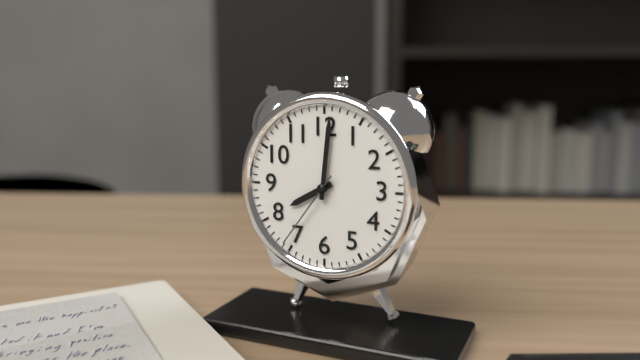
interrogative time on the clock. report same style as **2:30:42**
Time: **8:01:36**
